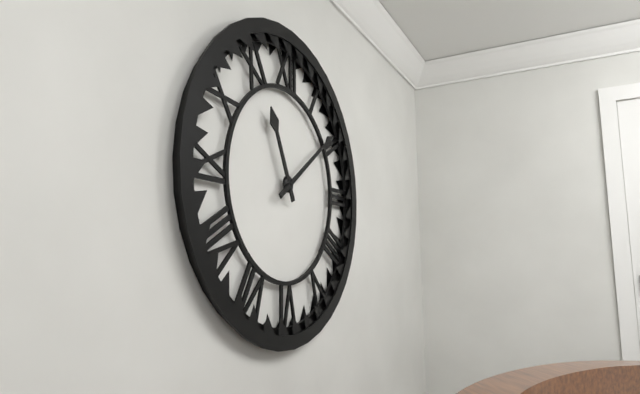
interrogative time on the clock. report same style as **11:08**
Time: **11:09**
